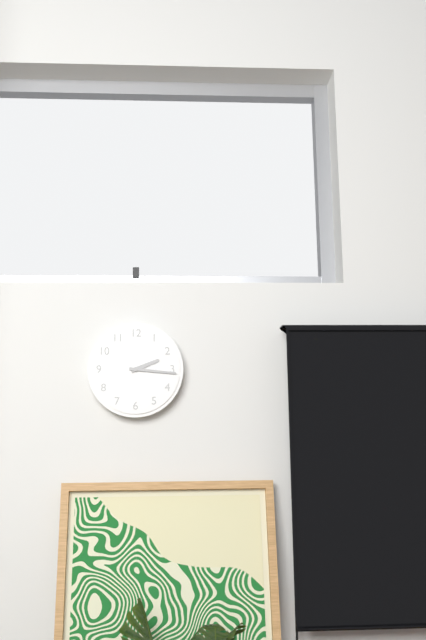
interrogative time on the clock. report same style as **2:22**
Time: **2:16**
